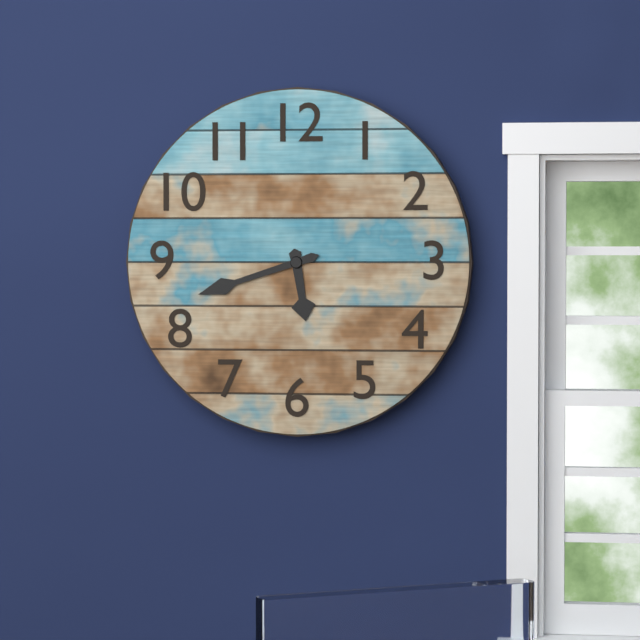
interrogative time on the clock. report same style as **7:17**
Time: **5:42**
